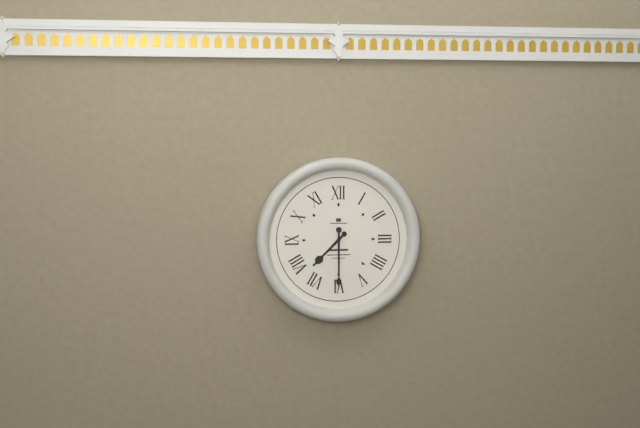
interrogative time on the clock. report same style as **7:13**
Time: **7:30**
